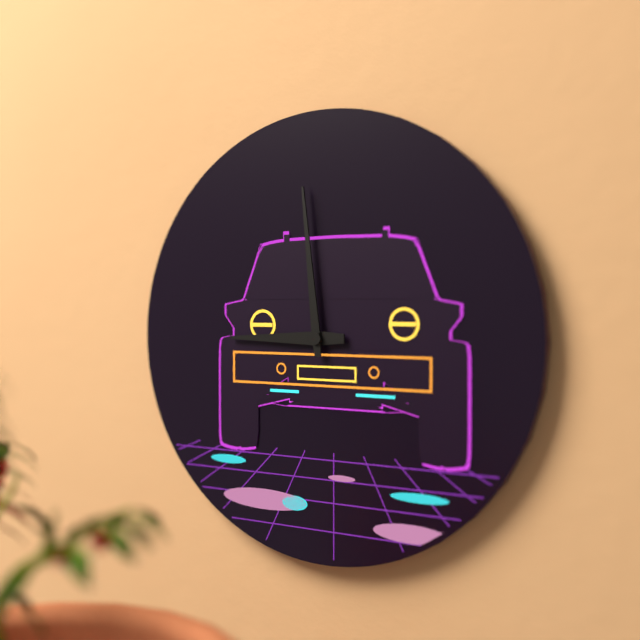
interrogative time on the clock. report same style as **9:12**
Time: **8:59**
